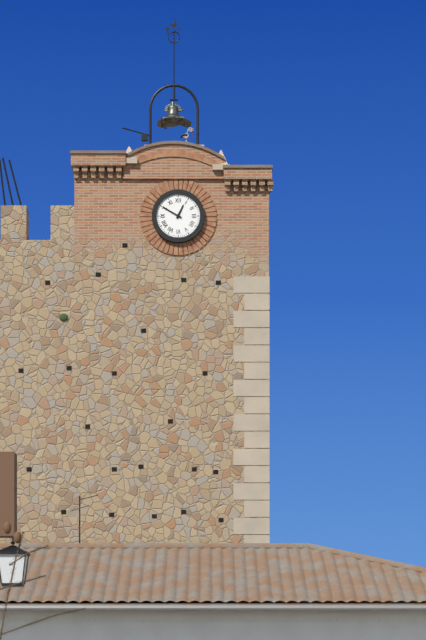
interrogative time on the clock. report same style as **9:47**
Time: **12:50**
